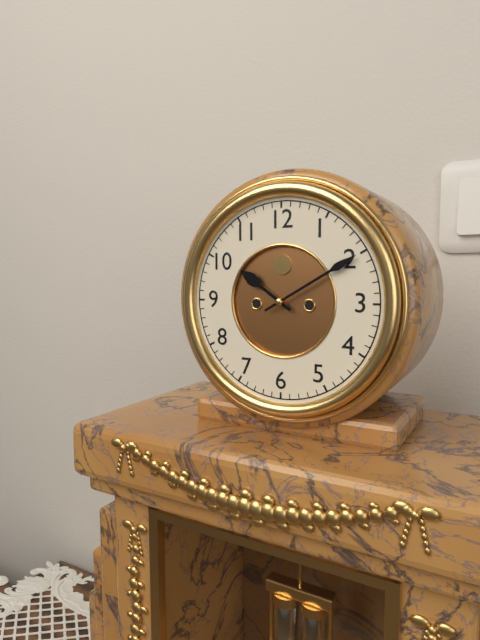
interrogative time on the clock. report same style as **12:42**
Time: **10:10**
